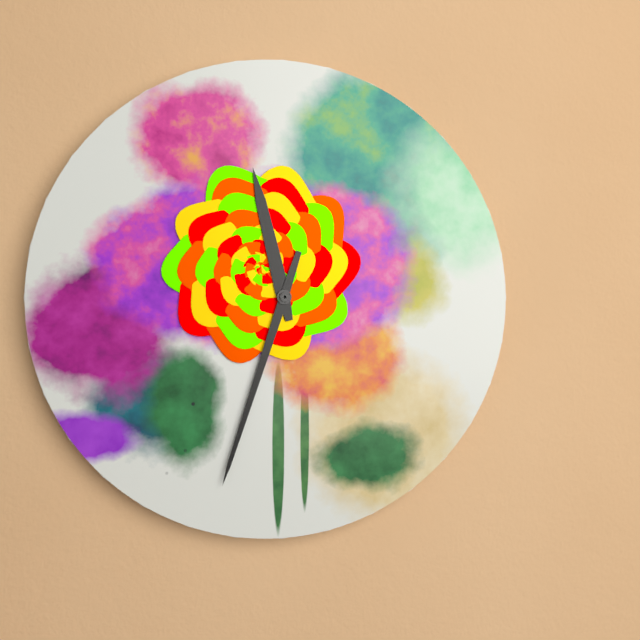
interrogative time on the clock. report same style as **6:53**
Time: **11:33**
